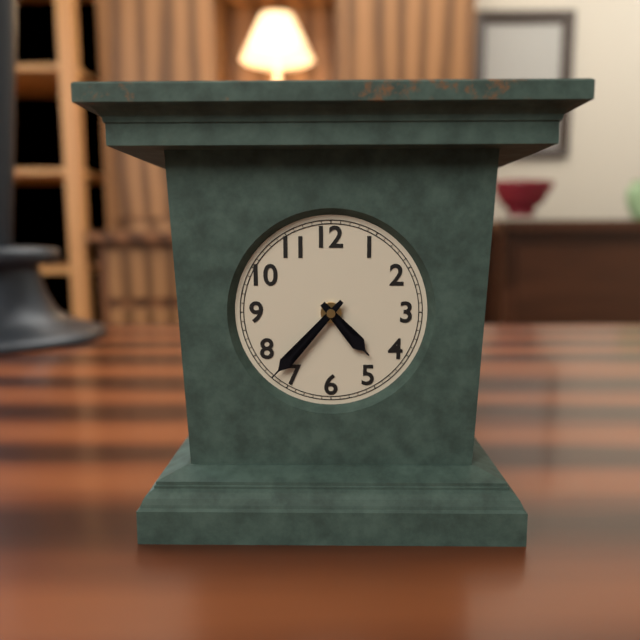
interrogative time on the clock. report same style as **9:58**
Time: **4:37**
